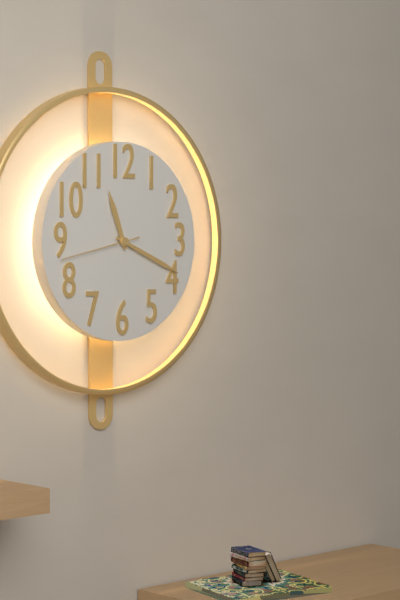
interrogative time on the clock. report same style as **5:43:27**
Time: **11:19:43**
